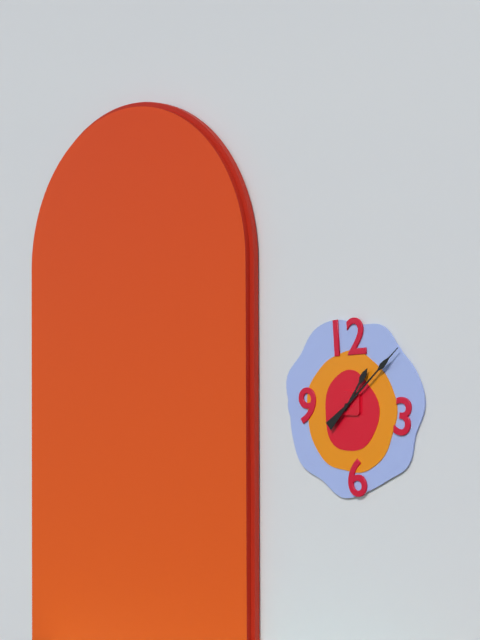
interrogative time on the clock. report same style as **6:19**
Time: **1:08**
